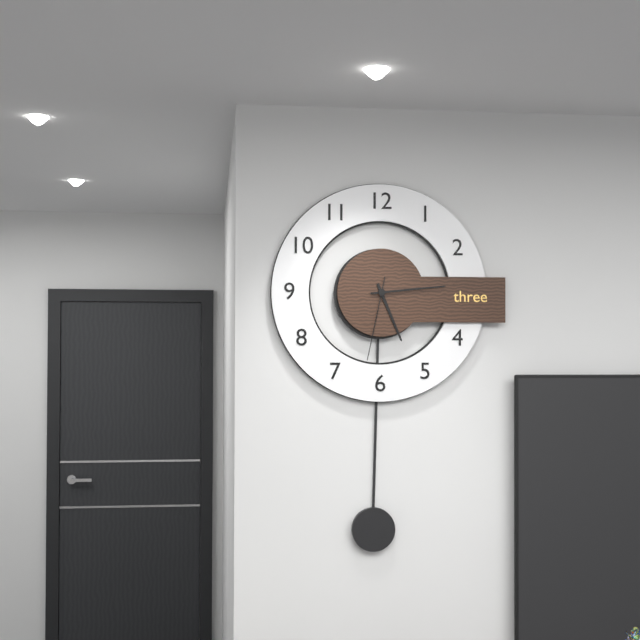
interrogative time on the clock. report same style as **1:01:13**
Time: **5:14:32**
